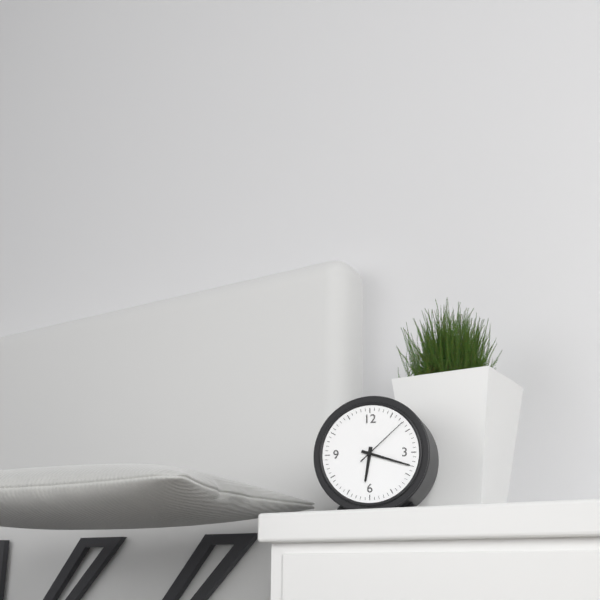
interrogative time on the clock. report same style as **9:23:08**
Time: **6:18:08**
